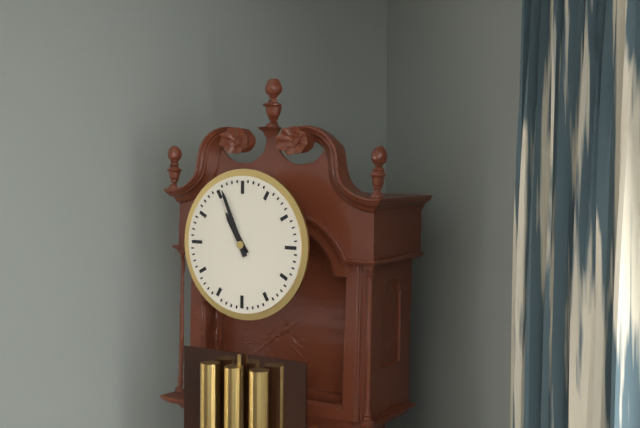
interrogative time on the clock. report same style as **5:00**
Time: **10:56**
